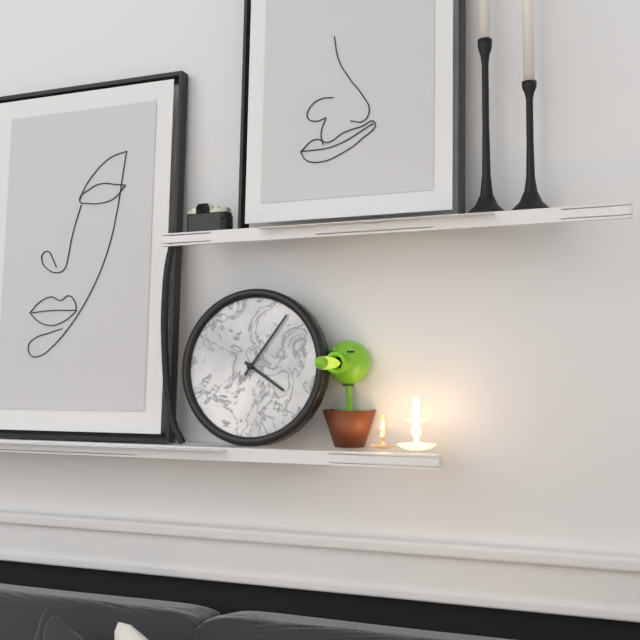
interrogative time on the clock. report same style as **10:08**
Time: **4:06**
